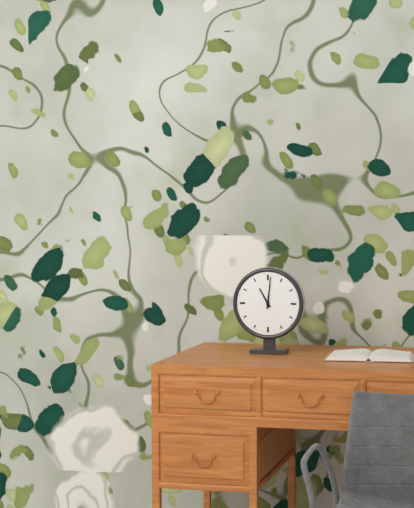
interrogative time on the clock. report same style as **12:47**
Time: **11:01**
